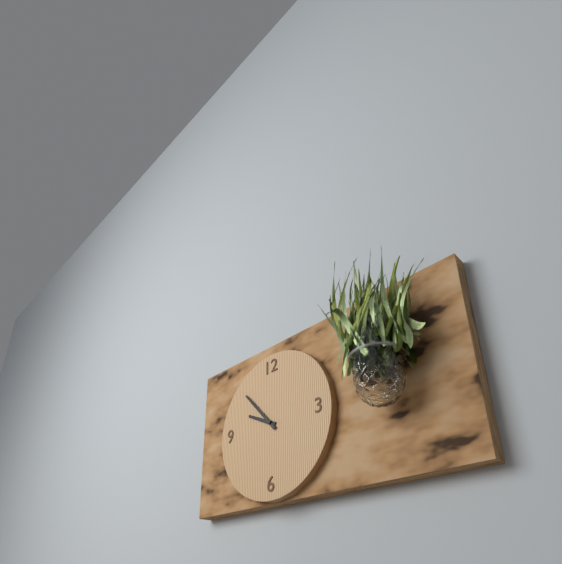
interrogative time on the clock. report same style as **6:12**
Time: **9:53**
